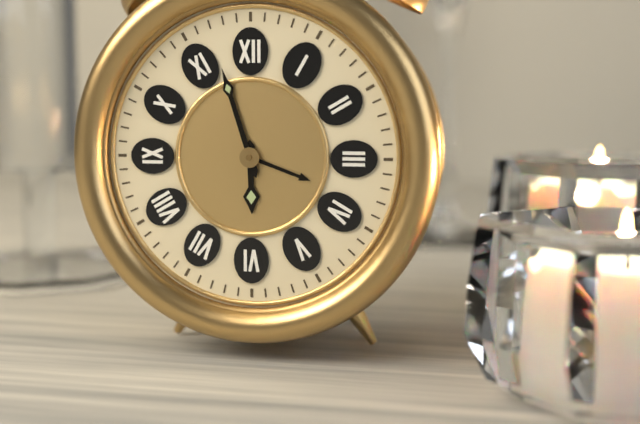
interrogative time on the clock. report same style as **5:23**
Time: **5:57**
